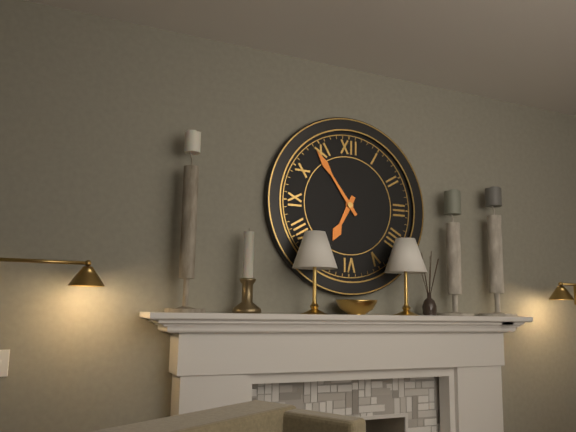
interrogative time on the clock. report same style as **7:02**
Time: **6:54**
